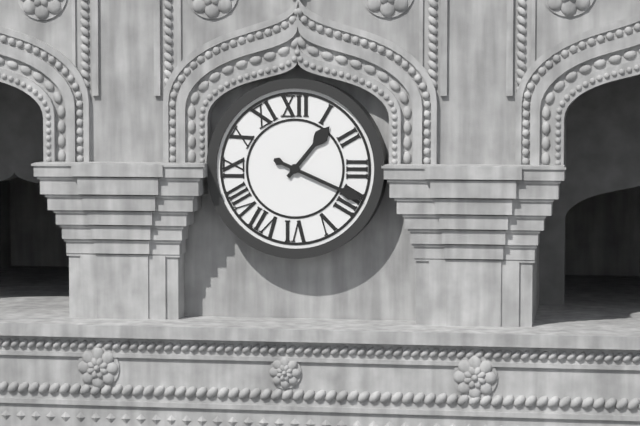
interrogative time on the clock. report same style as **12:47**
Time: **1:19**
